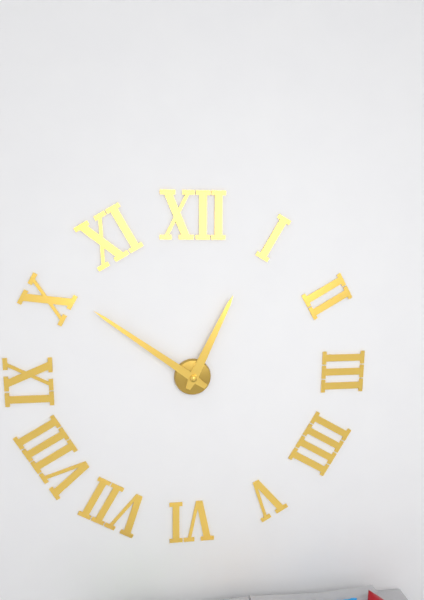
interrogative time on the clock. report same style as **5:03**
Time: **12:51**
